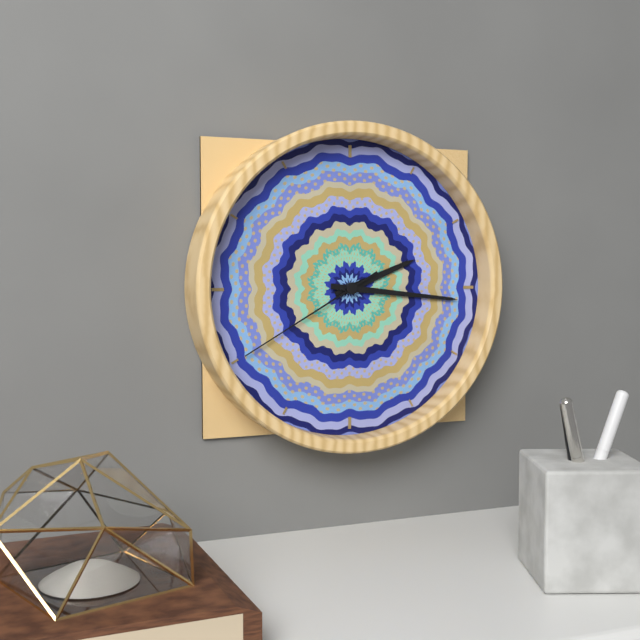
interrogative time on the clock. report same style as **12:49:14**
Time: **2:16:40**
